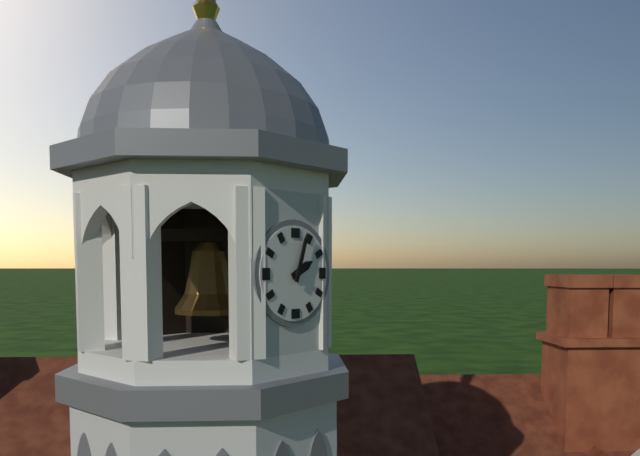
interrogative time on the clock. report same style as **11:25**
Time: **2:03**
